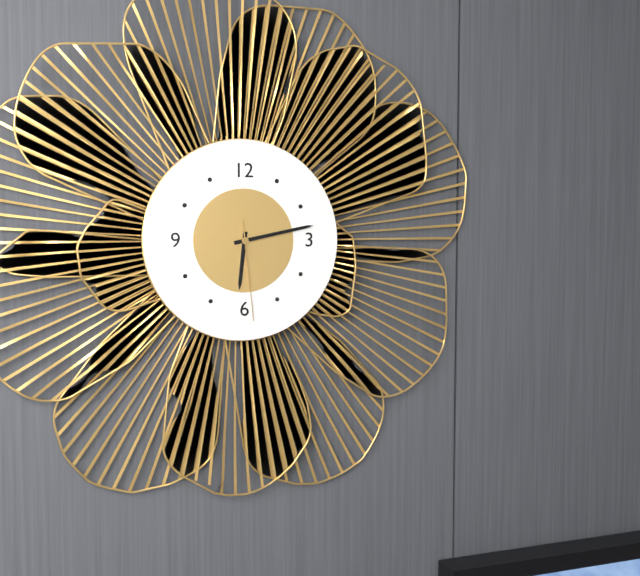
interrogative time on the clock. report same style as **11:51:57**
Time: **6:13:29**
